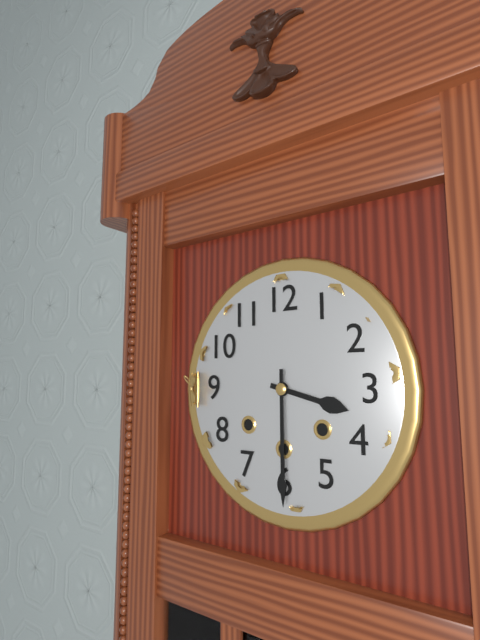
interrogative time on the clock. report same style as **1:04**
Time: **3:30**
